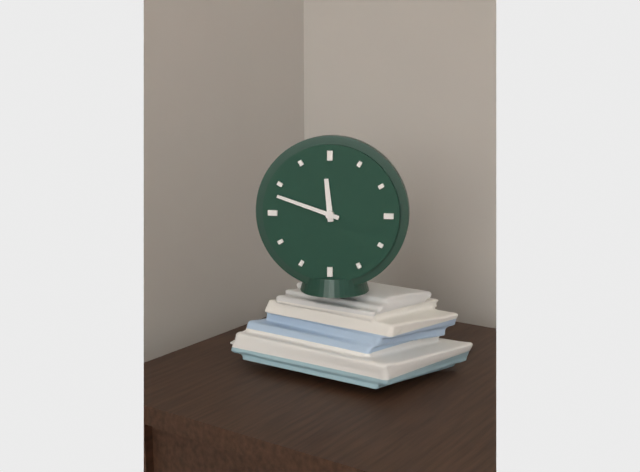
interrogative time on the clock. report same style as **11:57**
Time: **11:48**
